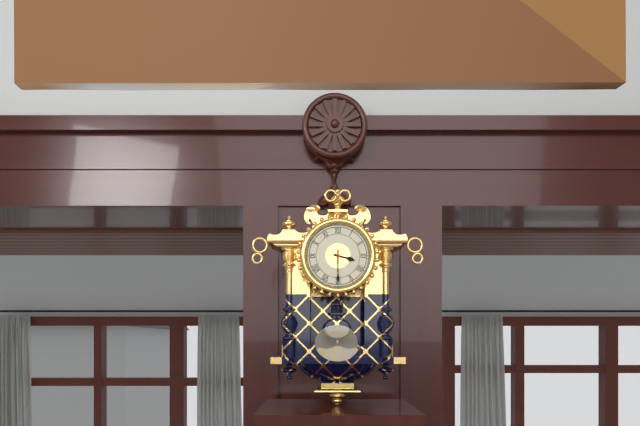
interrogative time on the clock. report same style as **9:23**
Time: **3:30**
